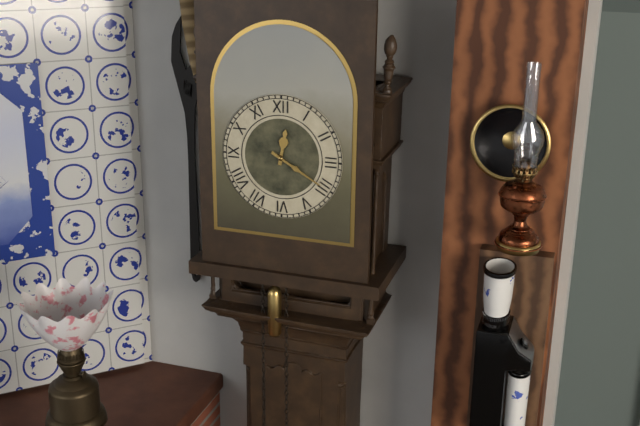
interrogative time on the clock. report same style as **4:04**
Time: **12:20**
